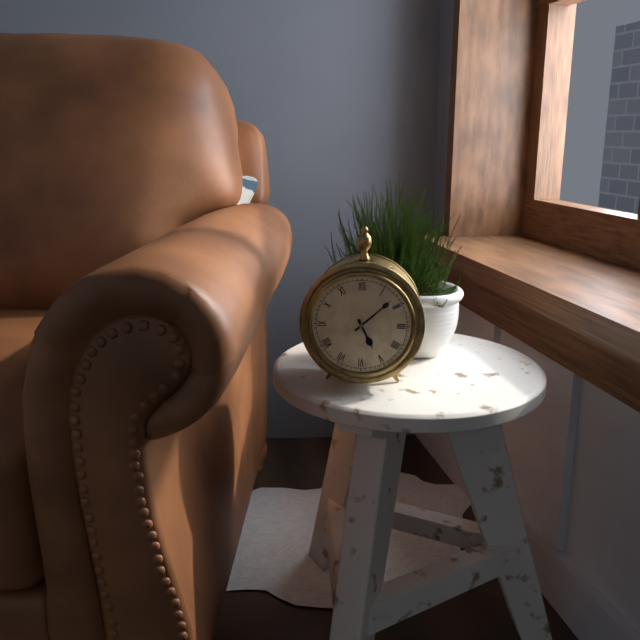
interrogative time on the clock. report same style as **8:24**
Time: **5:08**
